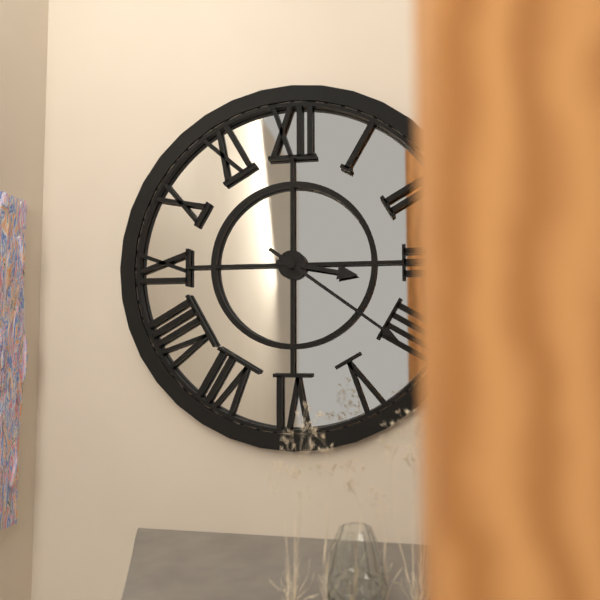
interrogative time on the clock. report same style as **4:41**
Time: **3:21**
